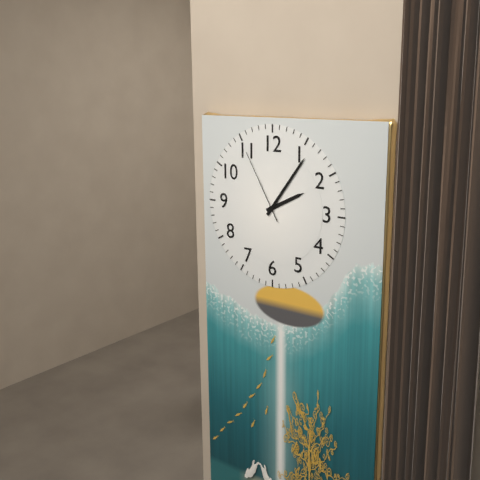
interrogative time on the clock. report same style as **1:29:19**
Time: **2:06:55**
